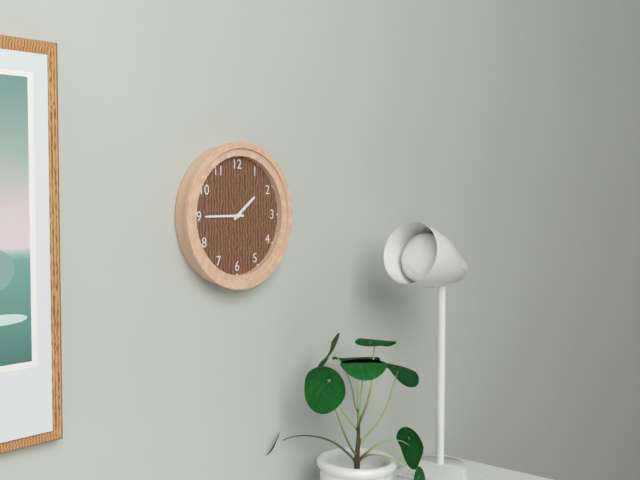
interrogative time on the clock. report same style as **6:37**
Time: **1:45**
